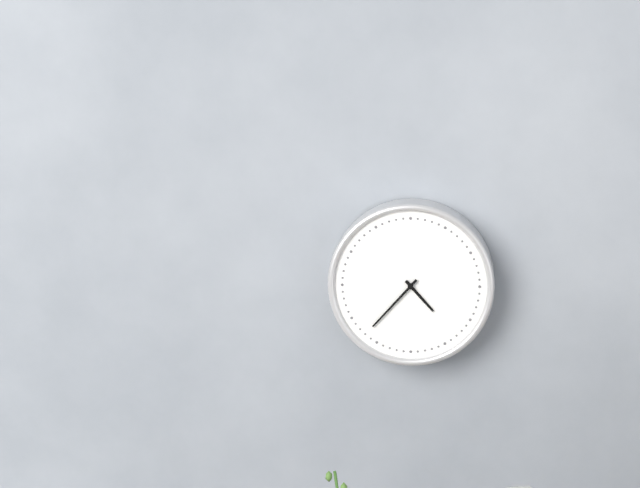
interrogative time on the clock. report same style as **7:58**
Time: **4:37**
